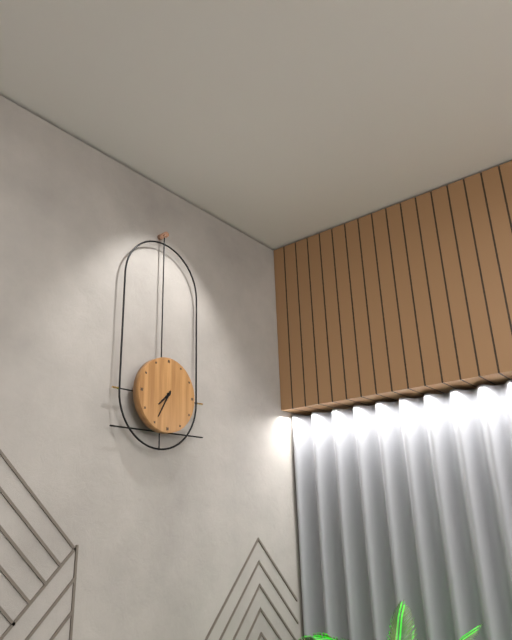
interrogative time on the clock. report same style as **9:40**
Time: **7:35**
